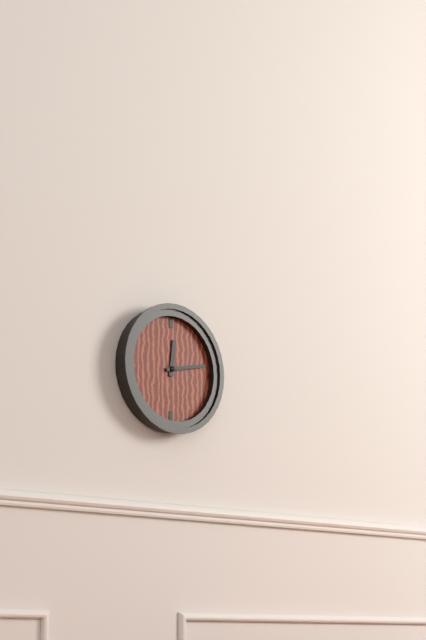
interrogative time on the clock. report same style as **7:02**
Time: **12:13**
